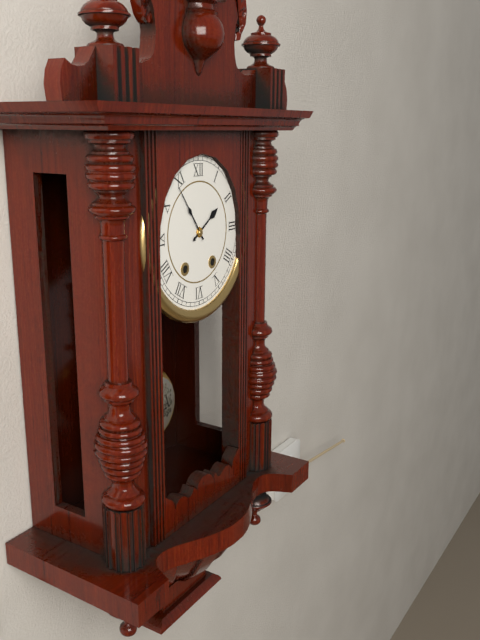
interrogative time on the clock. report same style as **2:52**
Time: **1:54**
